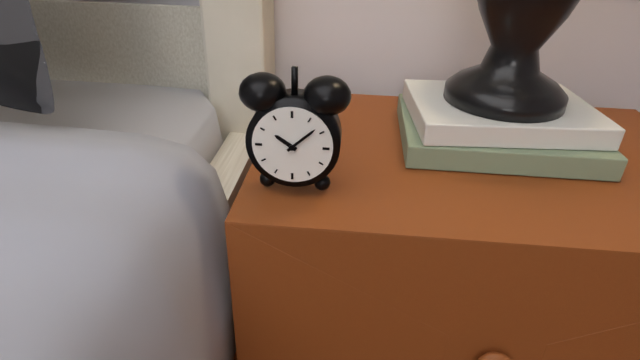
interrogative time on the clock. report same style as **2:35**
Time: **10:08**
